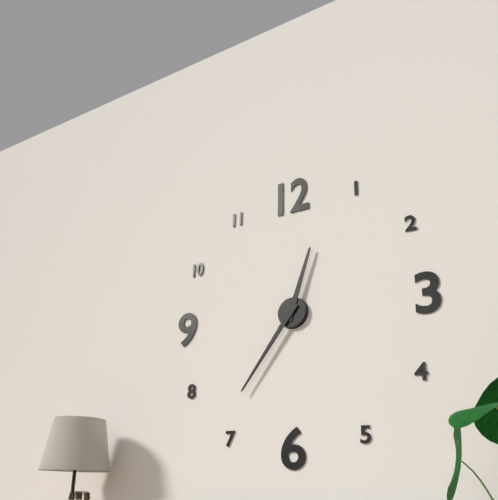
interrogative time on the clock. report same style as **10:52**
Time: **12:36**
